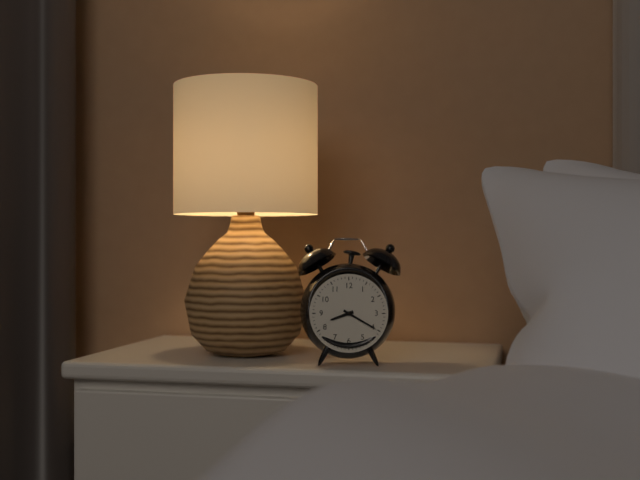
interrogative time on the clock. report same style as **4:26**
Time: **8:20**
